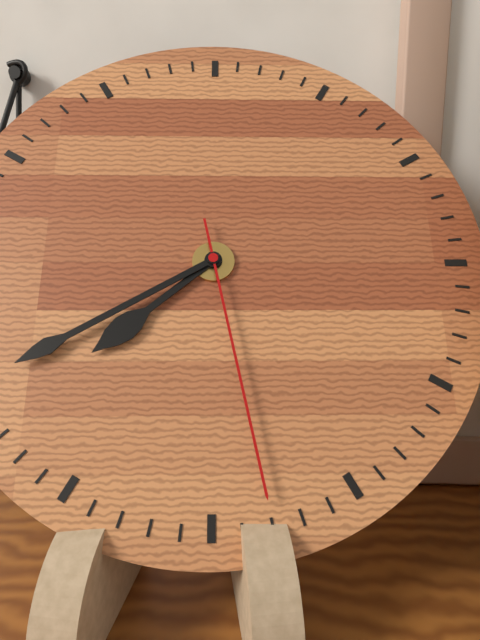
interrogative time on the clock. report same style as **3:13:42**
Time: **7:40:28**
